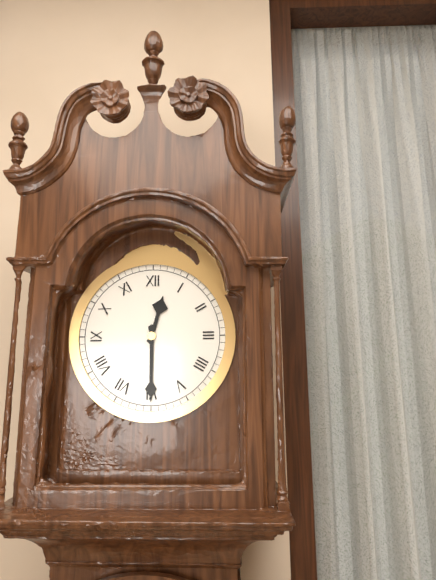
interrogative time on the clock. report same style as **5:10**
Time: **12:30**
